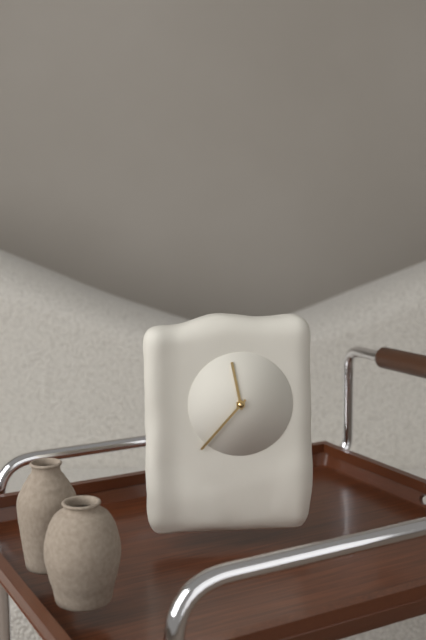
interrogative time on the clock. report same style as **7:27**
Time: **11:37**
